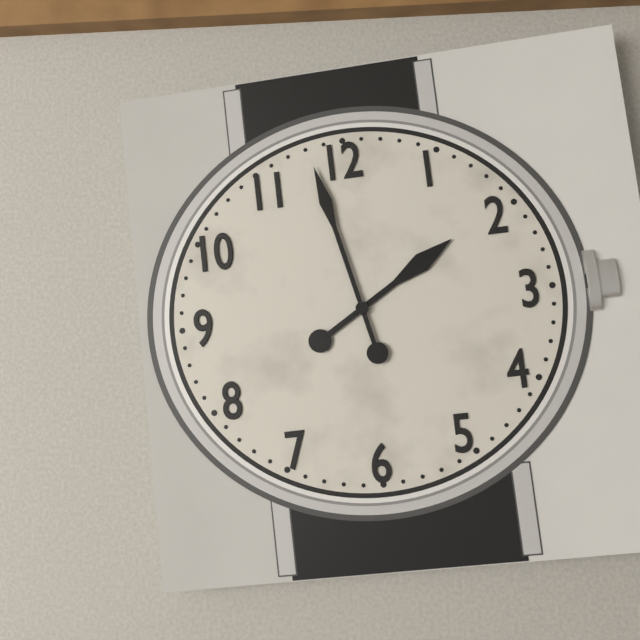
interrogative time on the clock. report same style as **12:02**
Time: **1:58**
